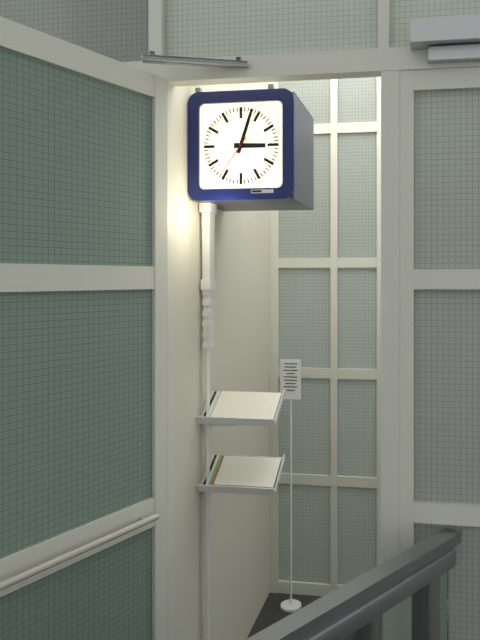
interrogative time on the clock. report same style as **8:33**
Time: **3:03**
